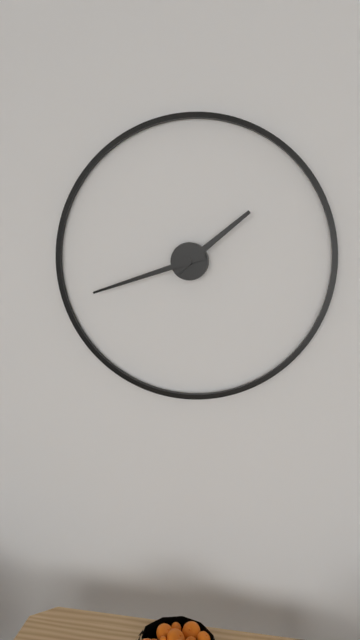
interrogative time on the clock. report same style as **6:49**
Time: **1:42**
